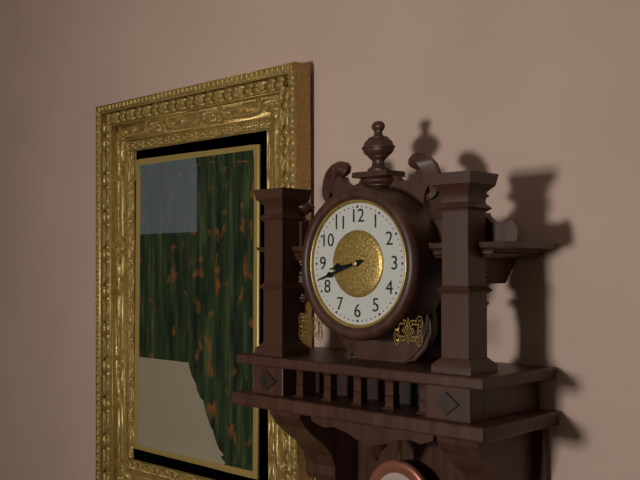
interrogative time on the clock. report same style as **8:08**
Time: **8:42**
